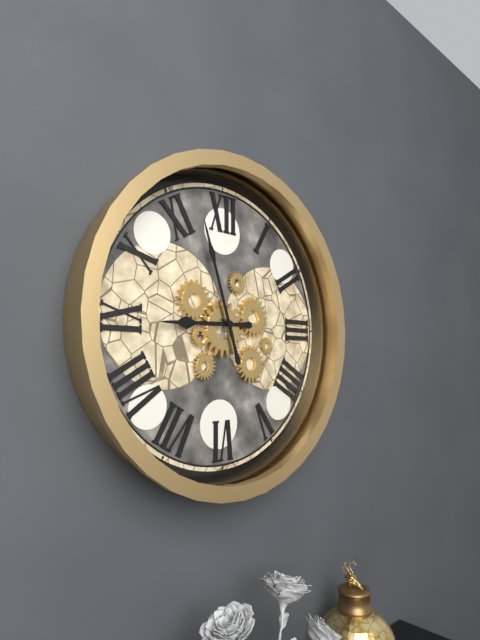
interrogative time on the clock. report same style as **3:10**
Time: **8:57**
